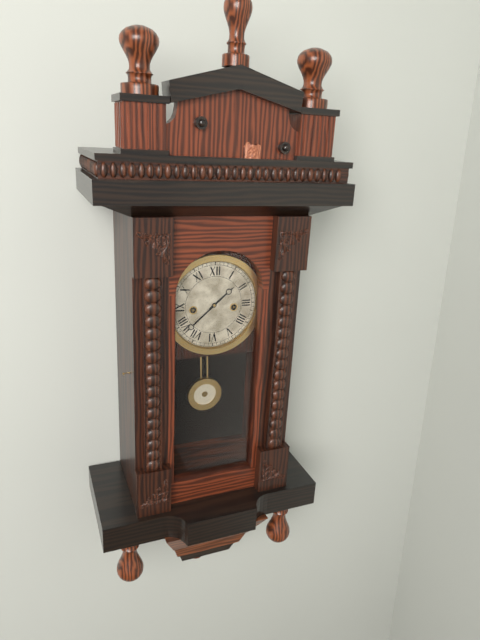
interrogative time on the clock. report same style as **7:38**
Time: **1:38**
